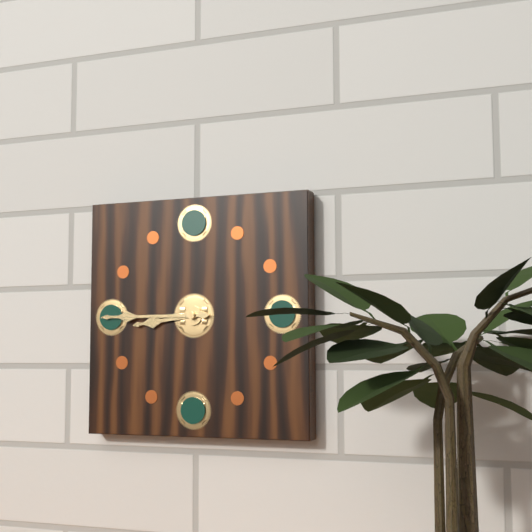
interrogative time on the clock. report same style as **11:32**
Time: **8:45**
